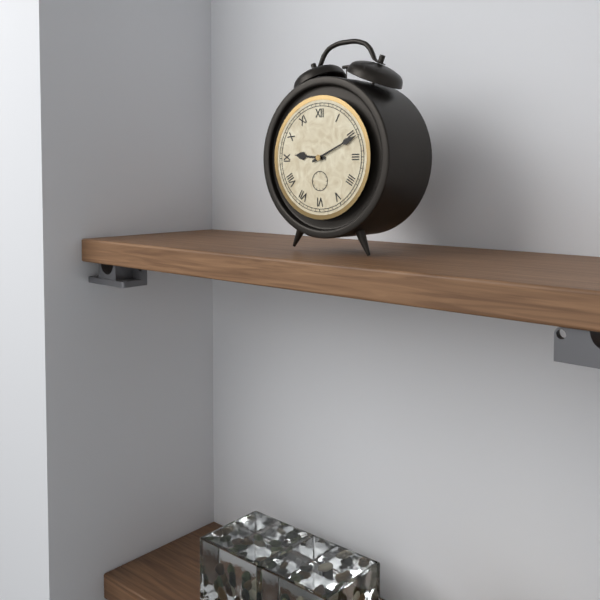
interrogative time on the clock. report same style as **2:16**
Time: **9:11**
